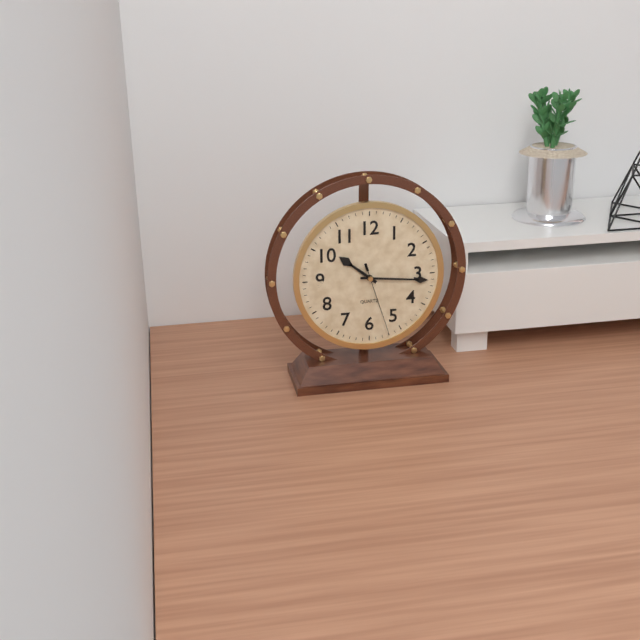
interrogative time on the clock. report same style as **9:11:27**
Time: **10:16:27**
